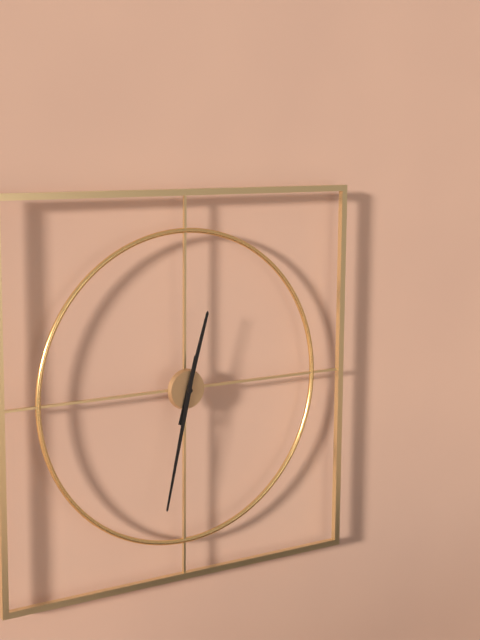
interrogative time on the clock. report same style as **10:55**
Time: **12:32**
